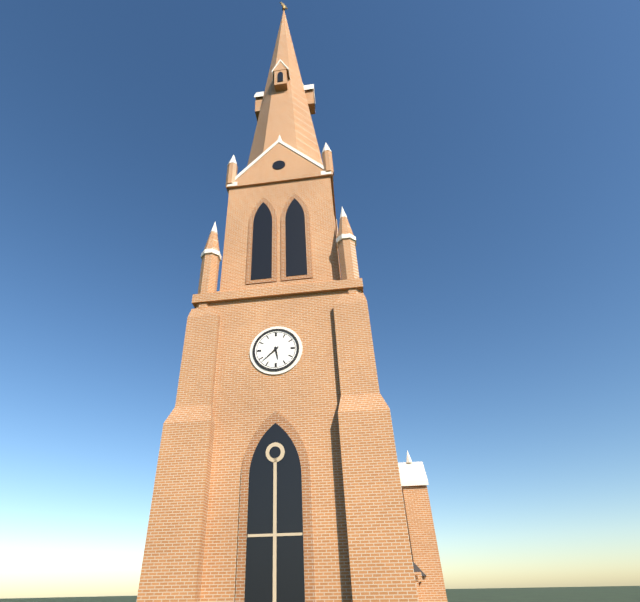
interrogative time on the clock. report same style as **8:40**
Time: **5:38**
